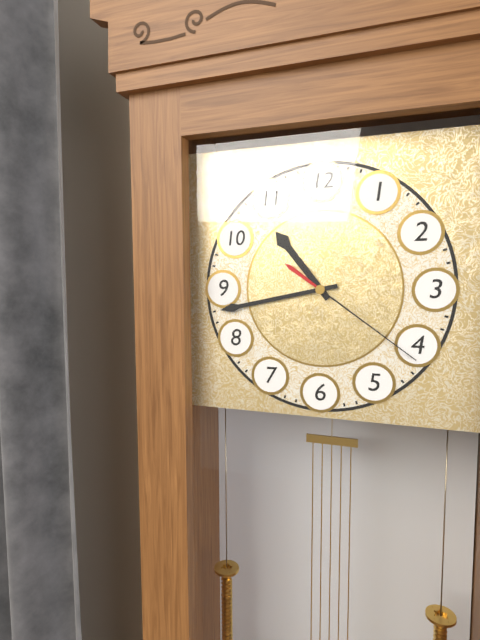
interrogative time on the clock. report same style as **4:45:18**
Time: **10:43:21**
